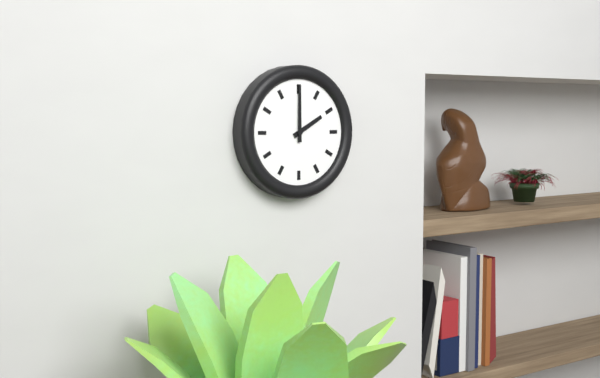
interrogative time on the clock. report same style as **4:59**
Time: **2:00**
